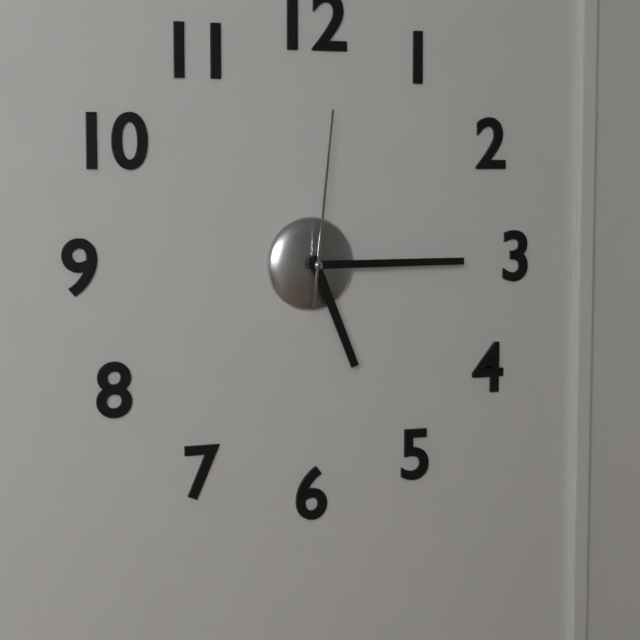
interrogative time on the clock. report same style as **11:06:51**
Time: **5:15:01**
